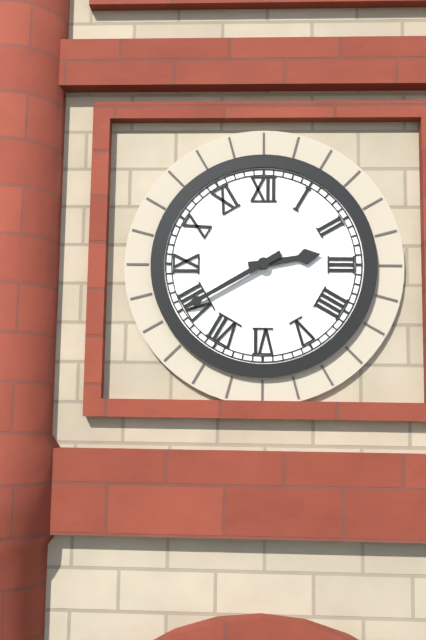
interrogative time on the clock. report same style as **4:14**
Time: **2:40**
